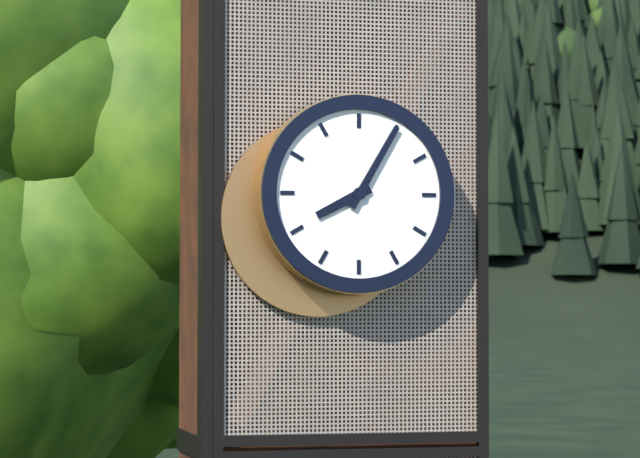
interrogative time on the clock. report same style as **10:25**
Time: **8:05**
